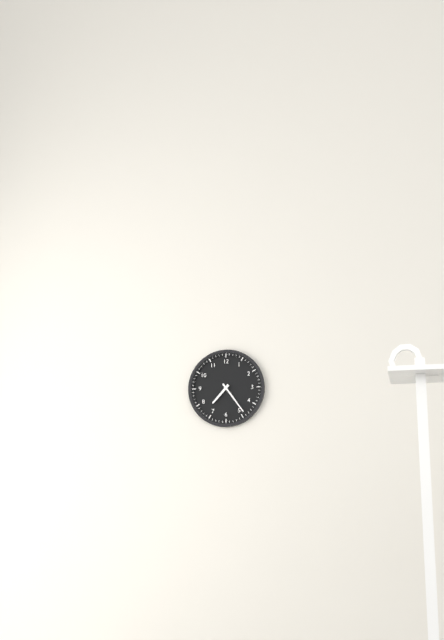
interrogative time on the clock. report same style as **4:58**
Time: **7:24**
